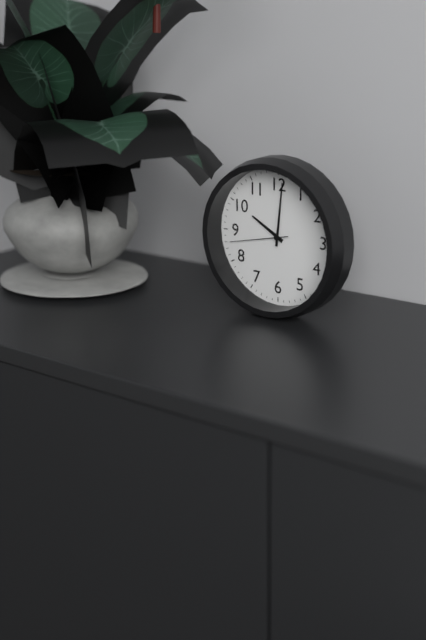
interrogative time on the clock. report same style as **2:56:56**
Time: **10:01:43**
